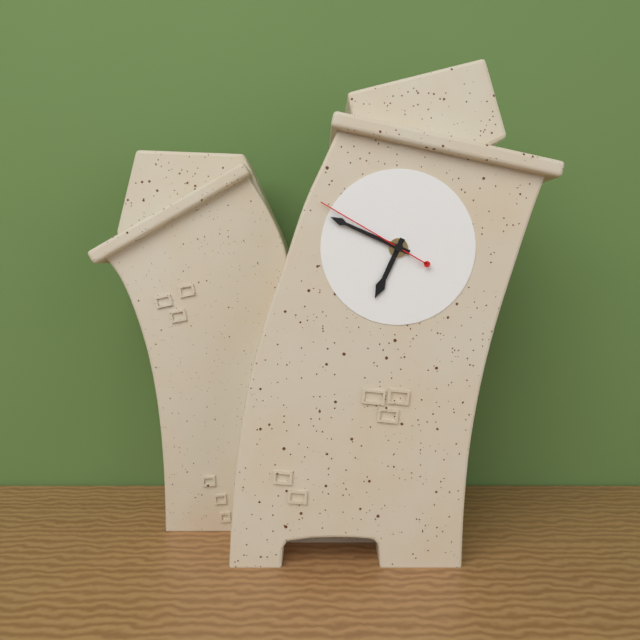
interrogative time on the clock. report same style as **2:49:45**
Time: **6:49:50**
